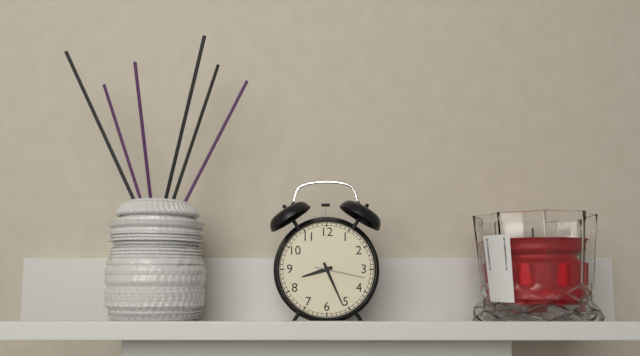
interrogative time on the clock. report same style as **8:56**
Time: **8:26**
